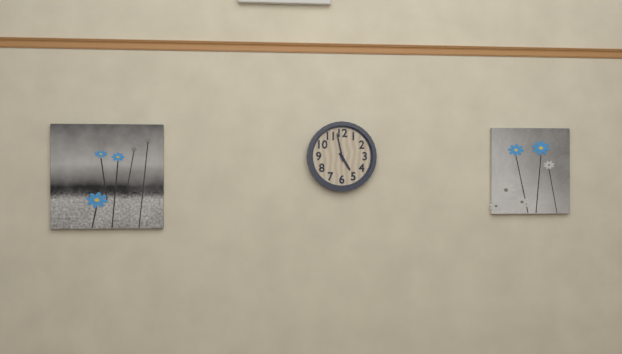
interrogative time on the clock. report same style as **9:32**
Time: **4:58**
